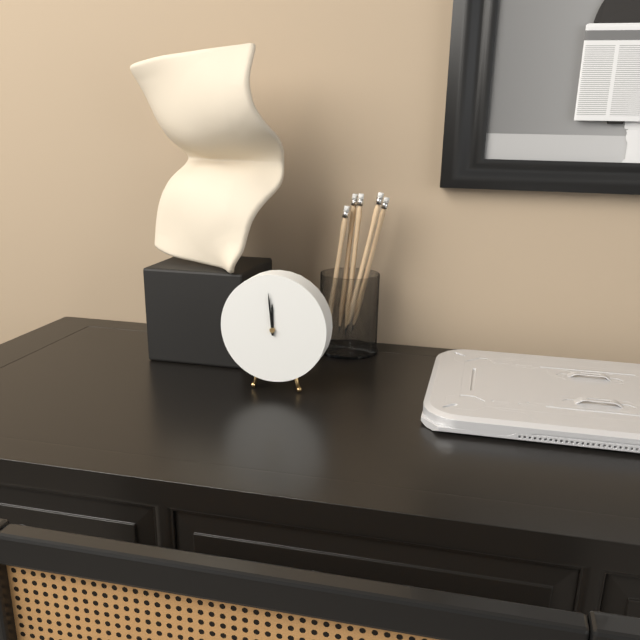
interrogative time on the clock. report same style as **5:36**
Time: **11:59**
